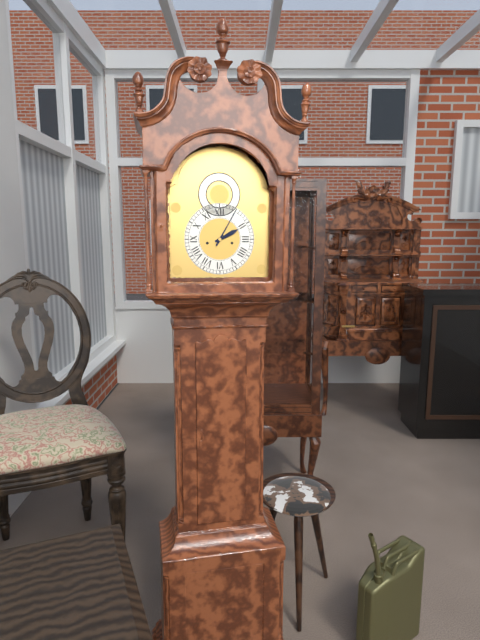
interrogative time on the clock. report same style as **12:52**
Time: **2:05**
